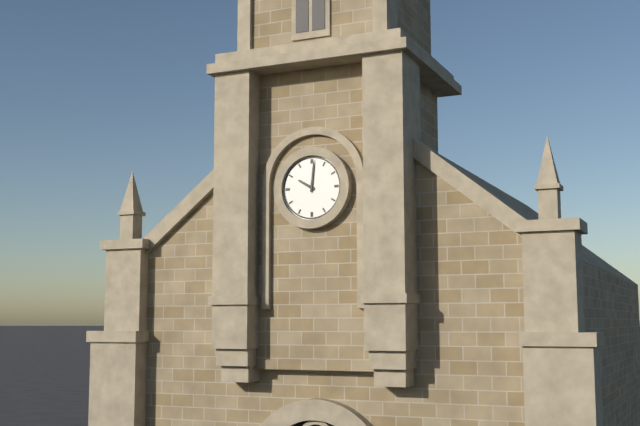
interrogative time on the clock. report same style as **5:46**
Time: **10:01**
